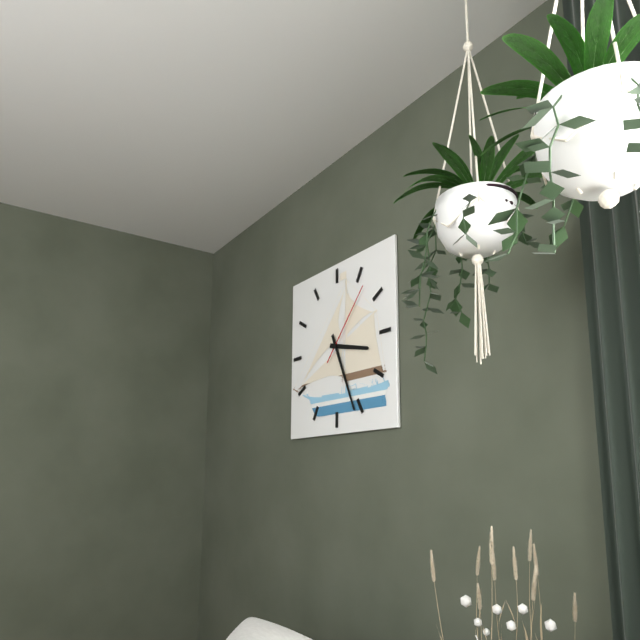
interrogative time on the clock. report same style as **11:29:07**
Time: **3:26:07**
